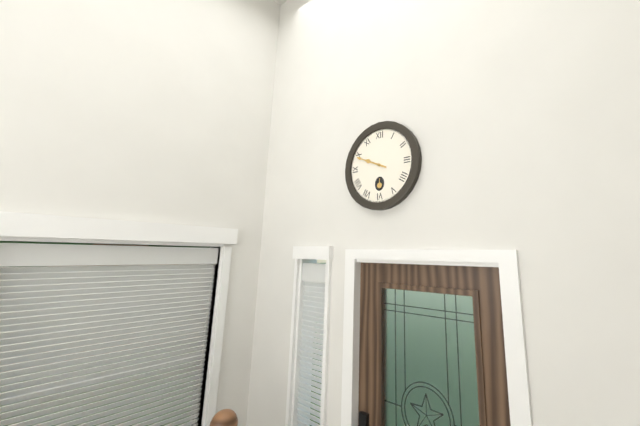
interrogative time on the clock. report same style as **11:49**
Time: **9:49**
